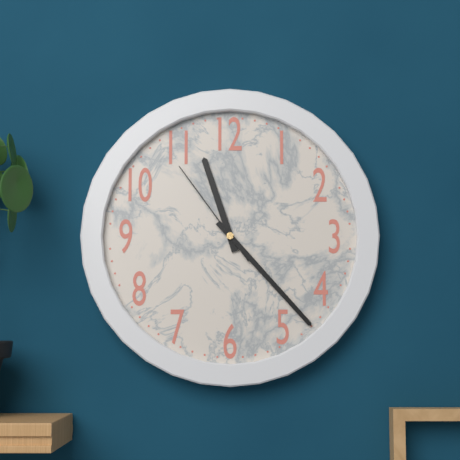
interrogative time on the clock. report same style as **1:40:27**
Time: **11:23:54**
